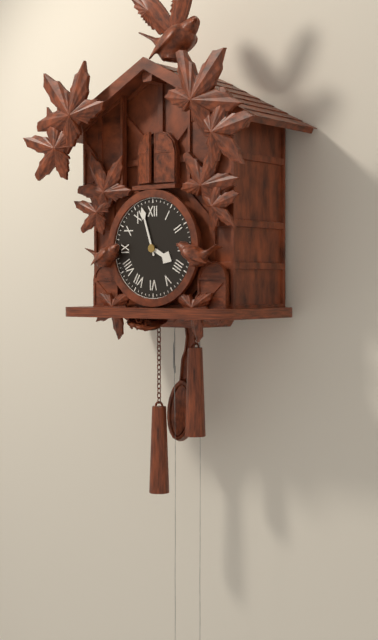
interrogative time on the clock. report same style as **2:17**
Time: **3:57**
